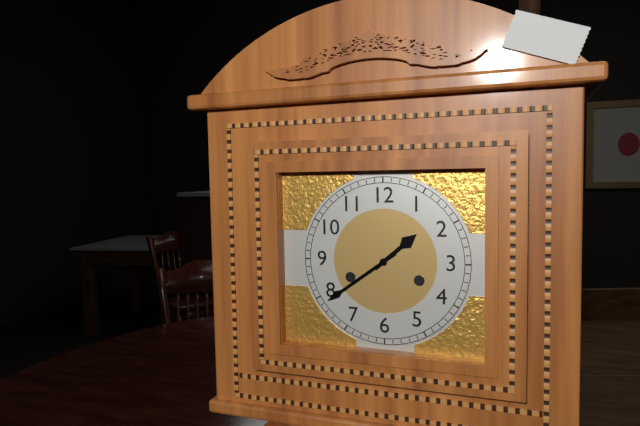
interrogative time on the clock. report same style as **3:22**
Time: **1:39**
